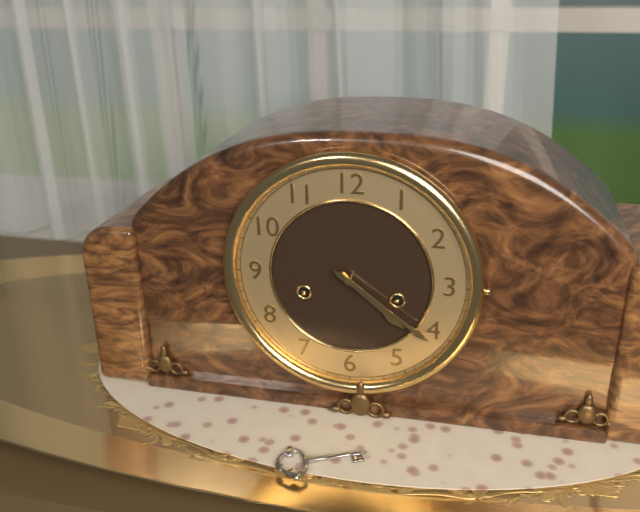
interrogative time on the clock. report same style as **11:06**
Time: **4:21**
